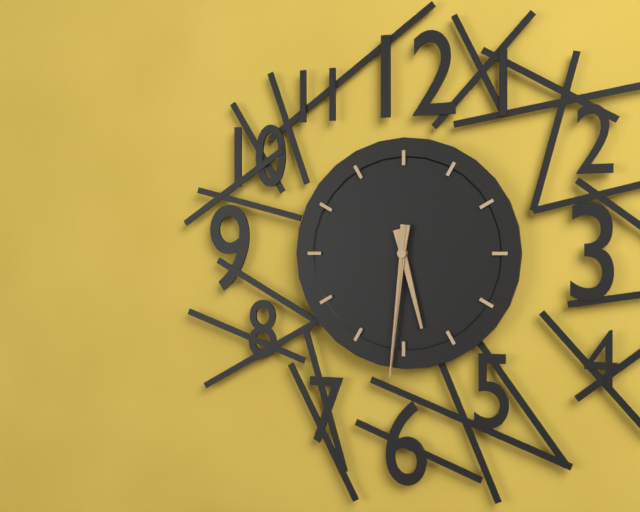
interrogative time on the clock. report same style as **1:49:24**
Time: **5:31:31**
